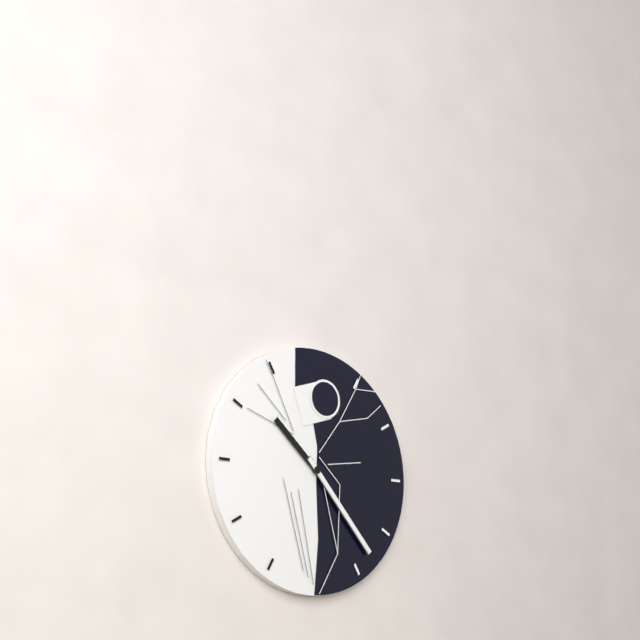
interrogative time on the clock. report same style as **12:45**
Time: **10:23**
